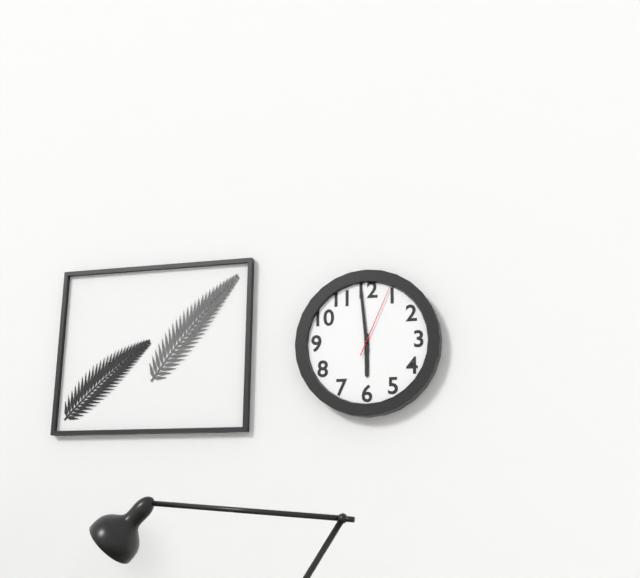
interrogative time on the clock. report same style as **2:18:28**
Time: **5:59:04**
